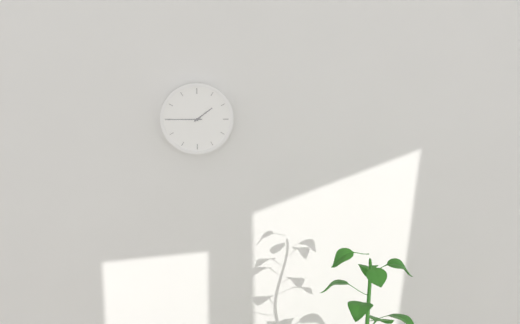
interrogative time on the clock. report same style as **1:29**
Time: **1:45**
